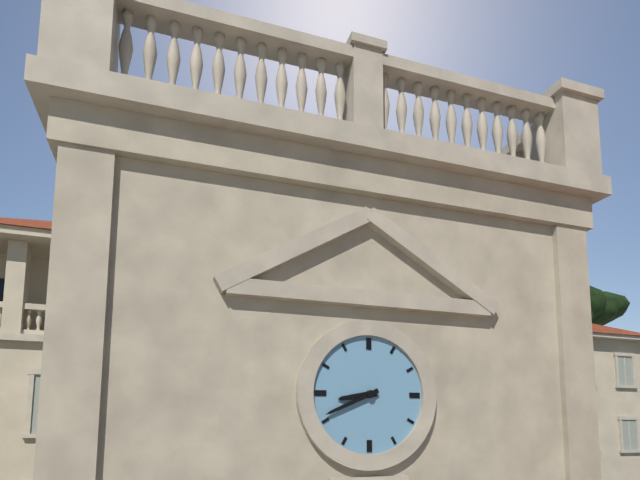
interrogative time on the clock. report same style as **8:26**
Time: **8:41**
